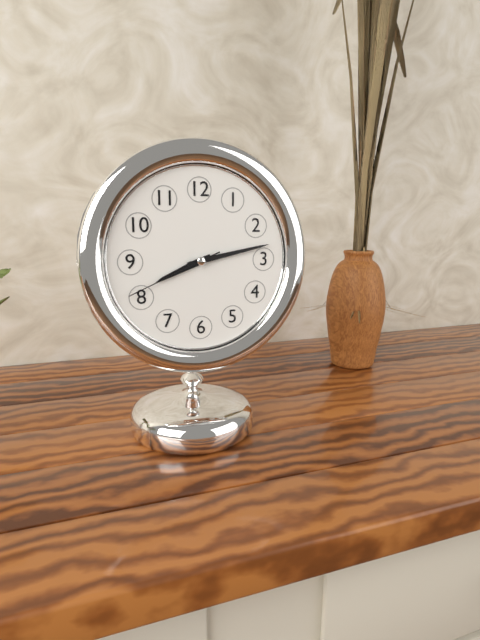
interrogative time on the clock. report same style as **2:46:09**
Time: **8:13:41**
